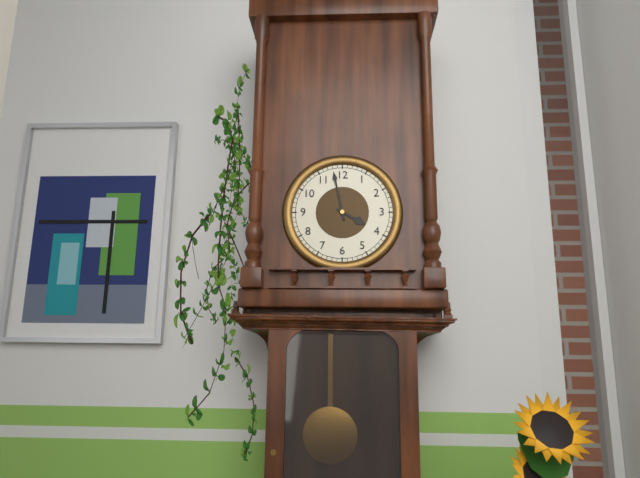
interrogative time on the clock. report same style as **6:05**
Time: **3:58**
